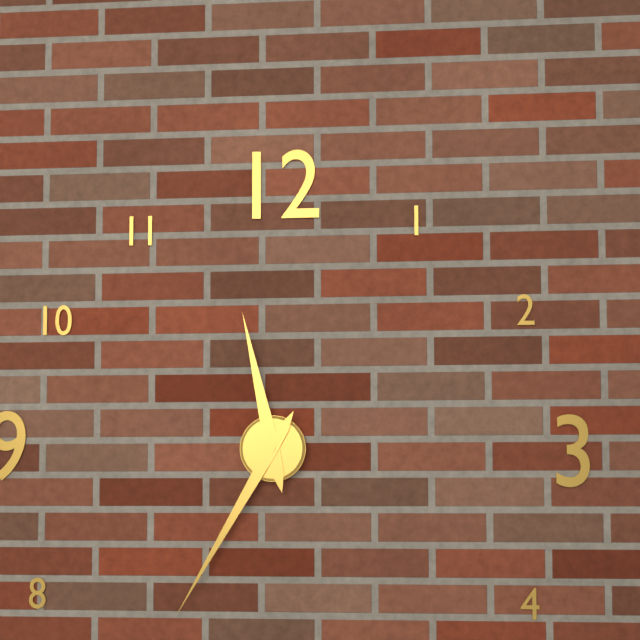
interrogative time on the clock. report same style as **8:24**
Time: **11:35**
